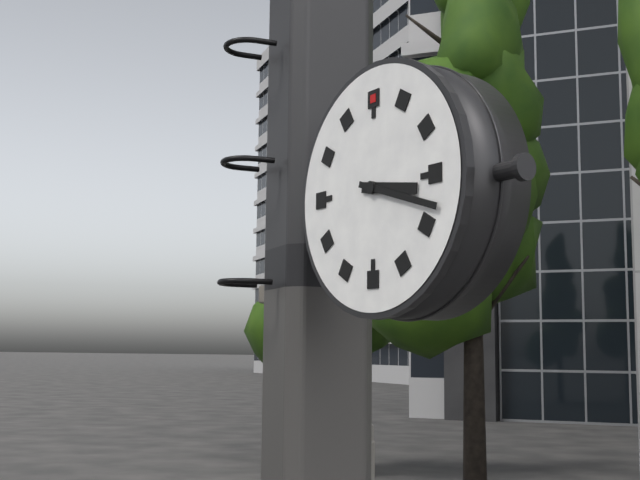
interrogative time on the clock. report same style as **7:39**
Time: **3:18**
